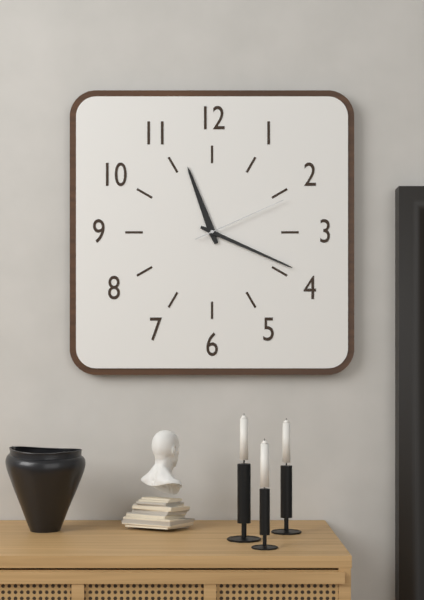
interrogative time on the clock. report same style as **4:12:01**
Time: **11:19:11**
